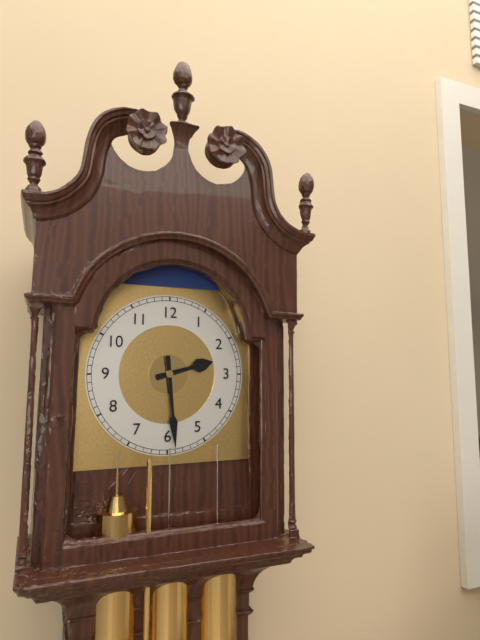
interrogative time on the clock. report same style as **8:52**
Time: **2:29**
